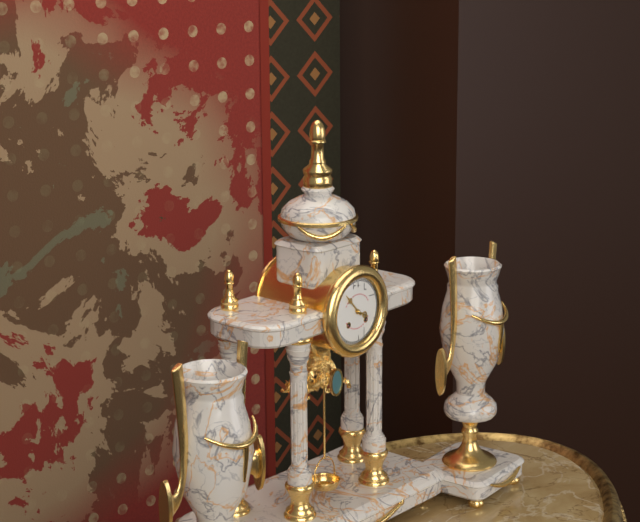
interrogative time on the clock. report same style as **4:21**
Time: **3:53**
